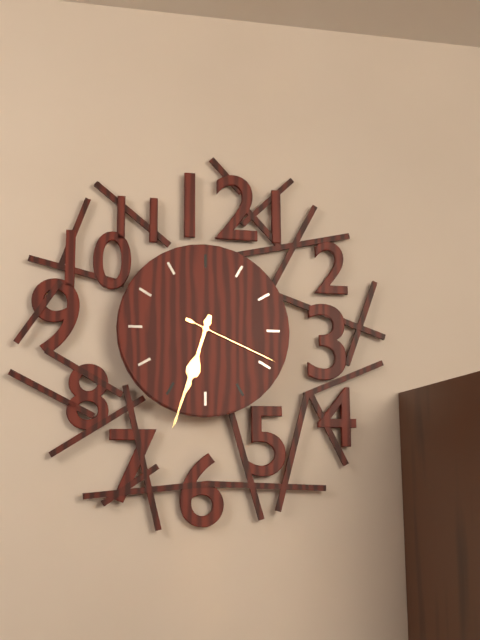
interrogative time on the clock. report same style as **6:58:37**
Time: **6:33:19**
